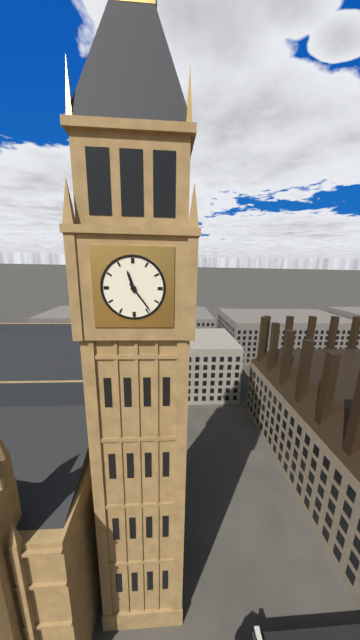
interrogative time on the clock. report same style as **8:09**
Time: **11:24**
